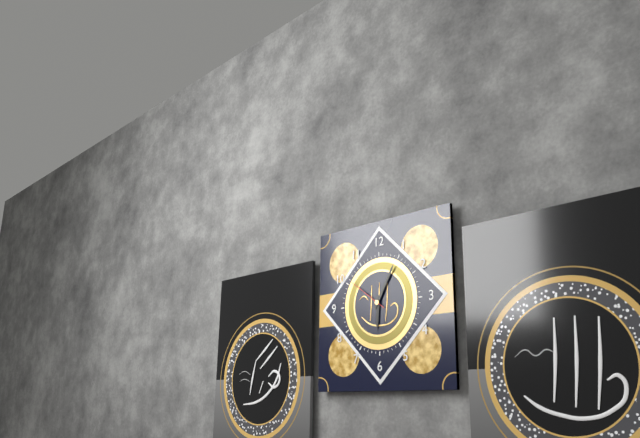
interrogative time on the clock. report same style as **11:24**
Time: **6:05**
